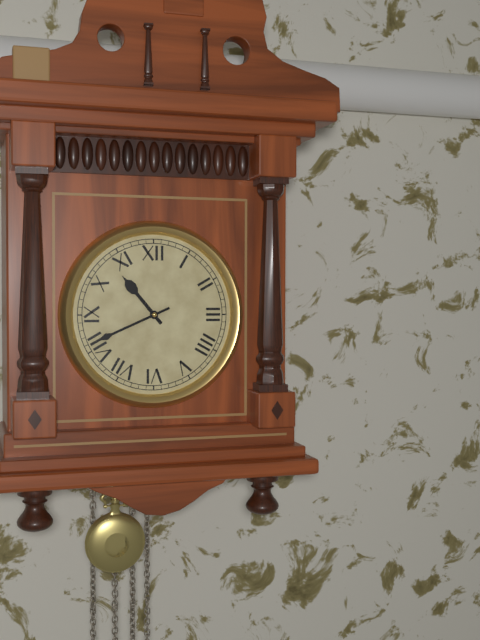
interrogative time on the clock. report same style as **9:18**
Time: **10:41**
